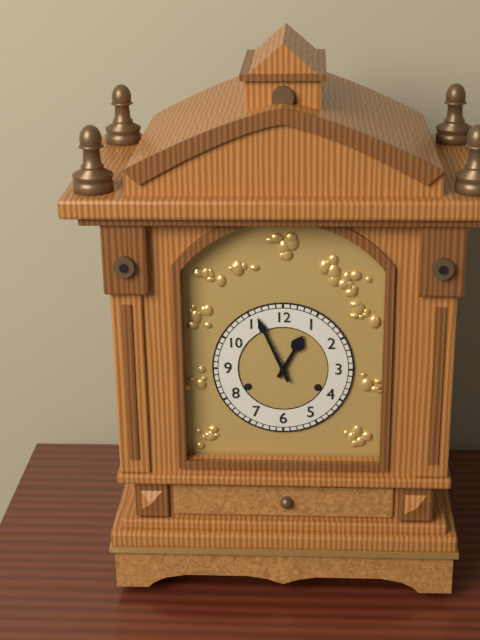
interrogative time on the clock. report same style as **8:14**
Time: **12:56**
